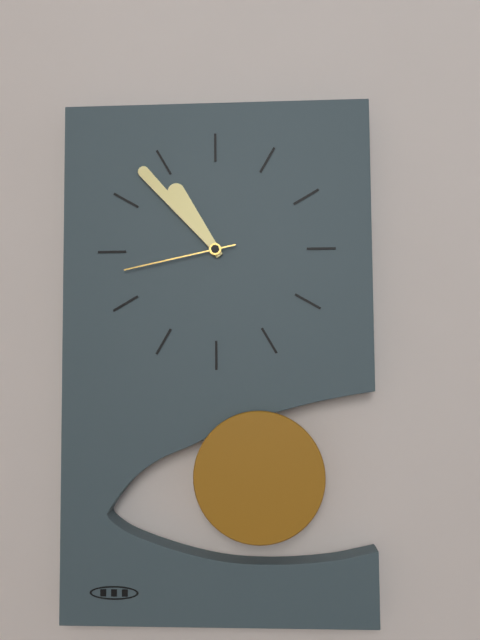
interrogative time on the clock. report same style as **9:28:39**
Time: **10:53:43**
